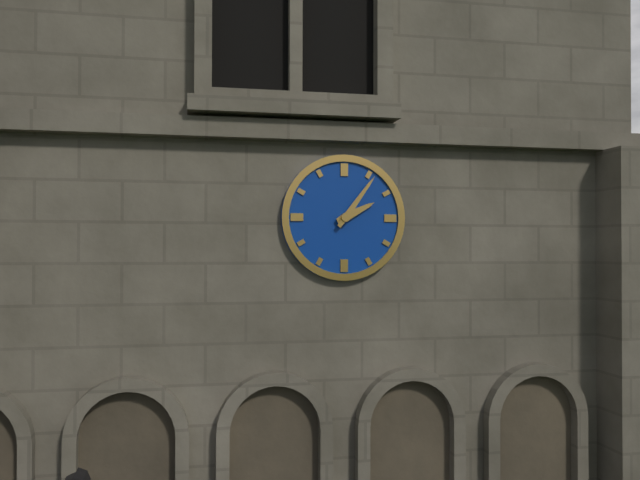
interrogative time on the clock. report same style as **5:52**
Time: **2:06**
